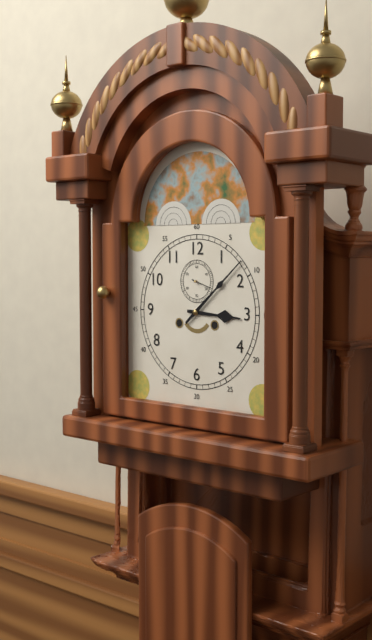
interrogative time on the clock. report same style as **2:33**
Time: **3:08**
